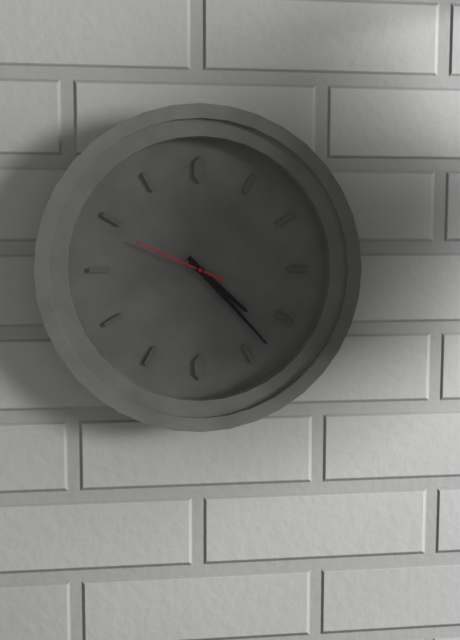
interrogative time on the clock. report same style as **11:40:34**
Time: **4:23:49**
